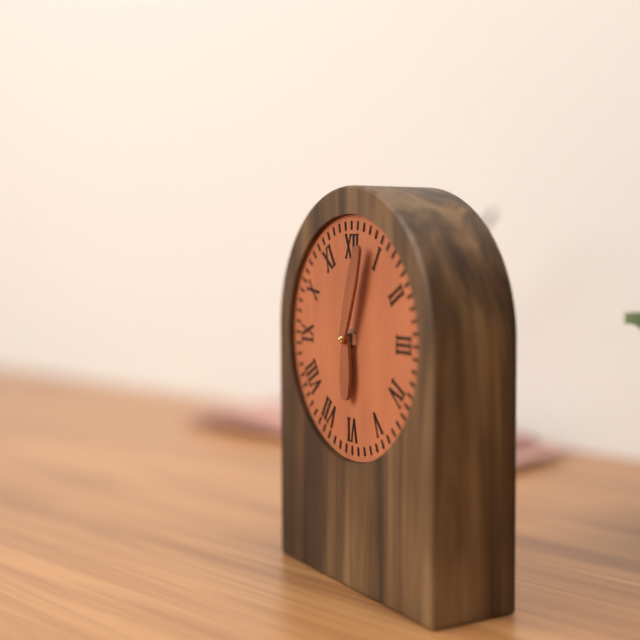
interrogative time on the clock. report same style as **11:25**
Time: **6:03**
